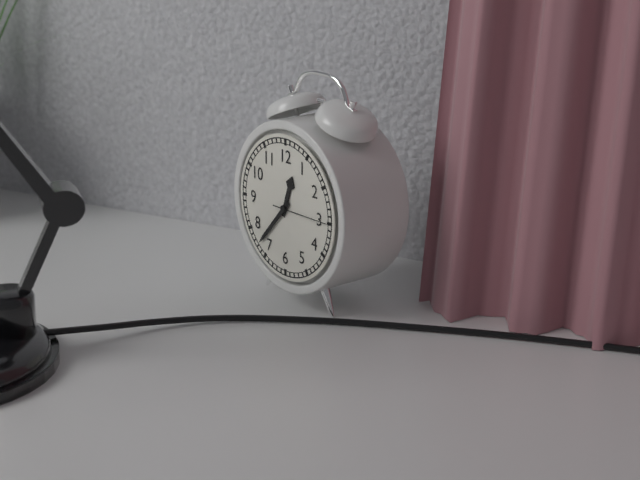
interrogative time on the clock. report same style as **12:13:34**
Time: **12:37:15**
